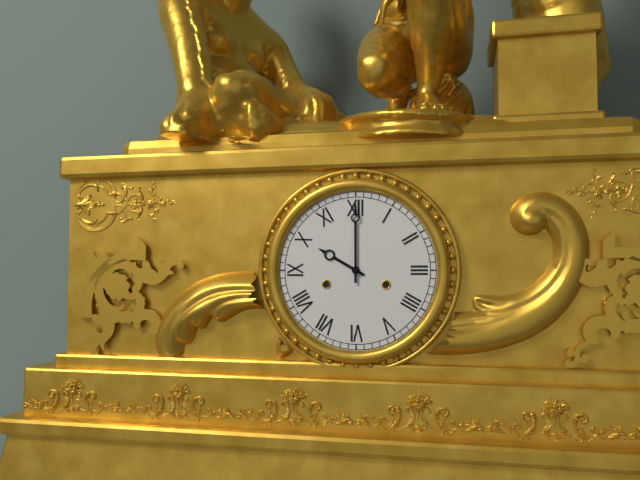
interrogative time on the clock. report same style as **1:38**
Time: **10:00**
